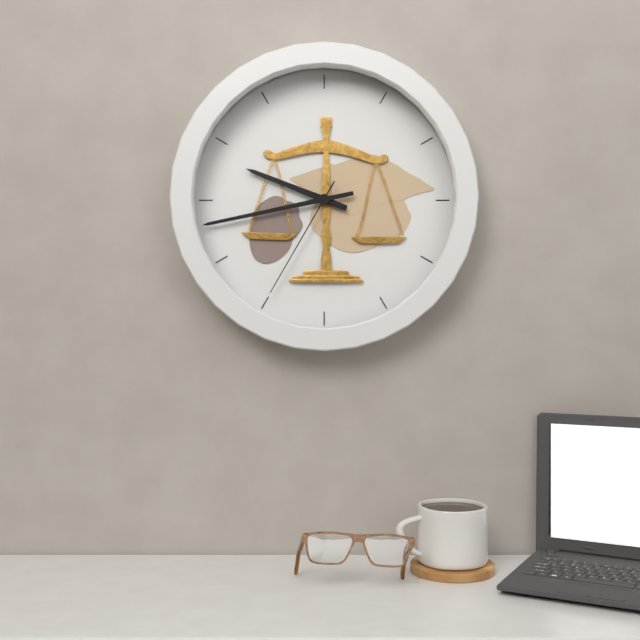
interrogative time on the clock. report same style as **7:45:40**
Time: **9:43:35**
